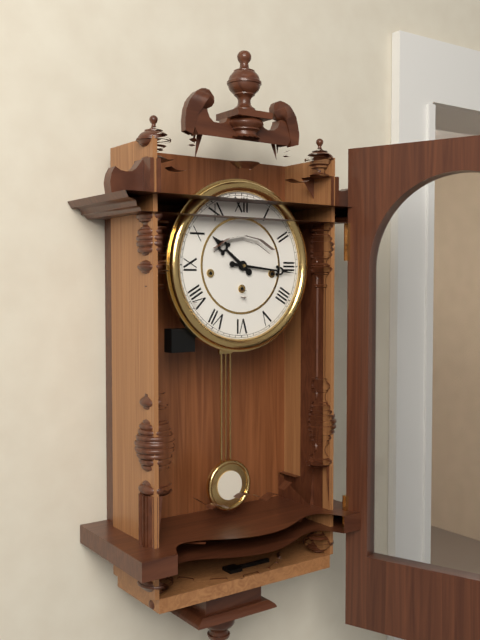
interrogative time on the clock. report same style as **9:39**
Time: **10:16**
